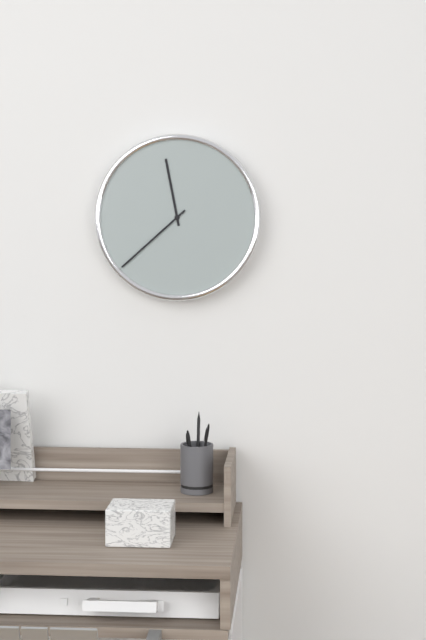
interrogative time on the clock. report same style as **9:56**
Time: **11:38**
